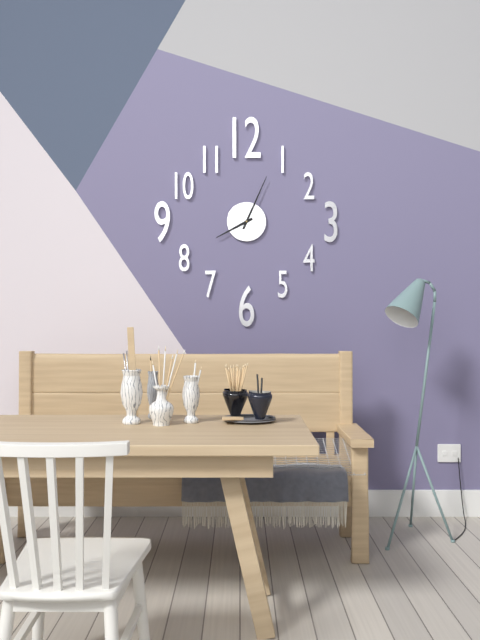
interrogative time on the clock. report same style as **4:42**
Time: **8:04**
